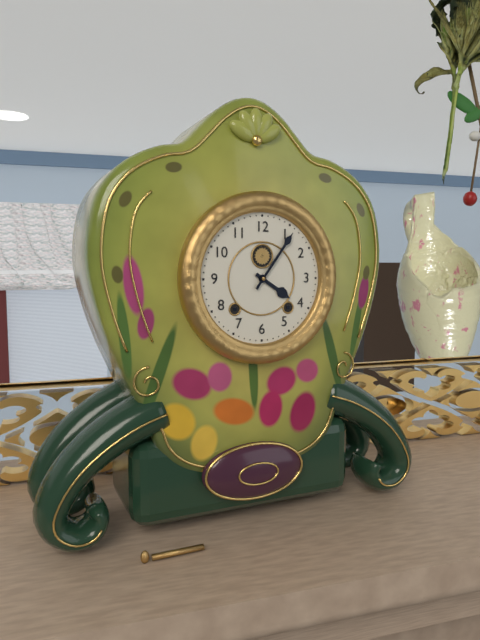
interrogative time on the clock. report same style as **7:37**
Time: **4:06**
